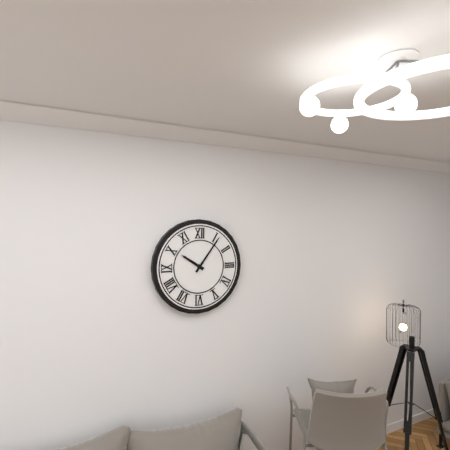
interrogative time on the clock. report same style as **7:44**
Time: **10:06**
